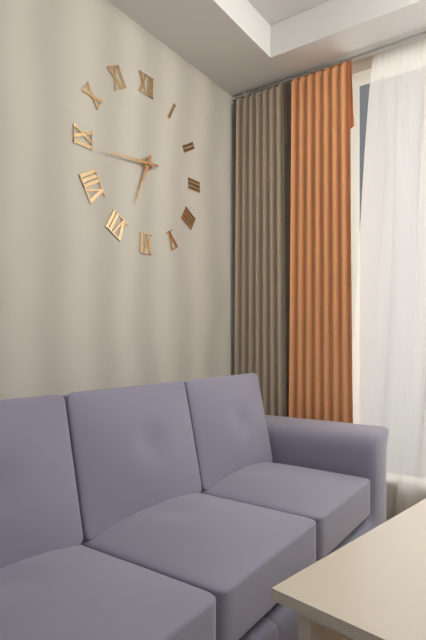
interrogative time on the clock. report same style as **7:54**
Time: **6:44**
